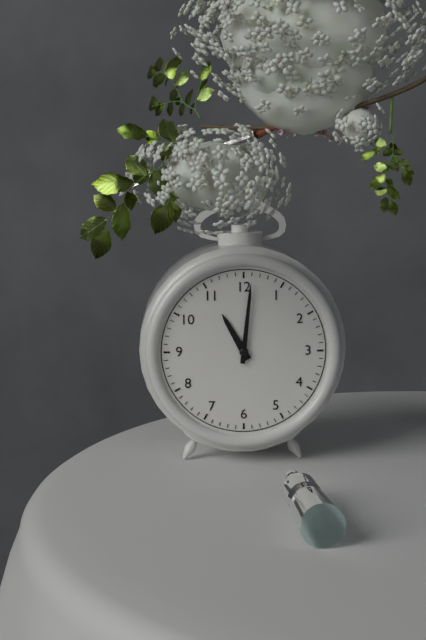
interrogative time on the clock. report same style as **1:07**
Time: **11:01**
